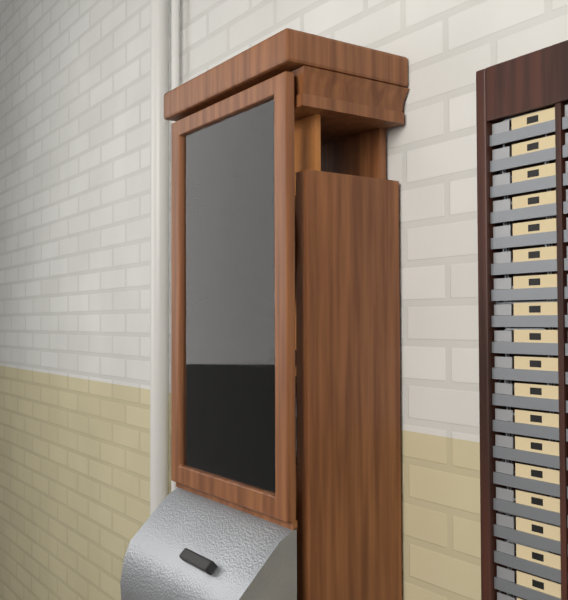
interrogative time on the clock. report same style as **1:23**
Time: **4:30**
